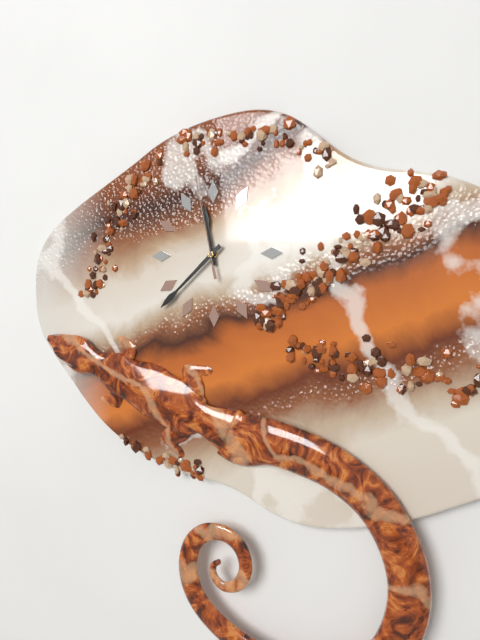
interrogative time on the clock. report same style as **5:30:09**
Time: **11:38:58**
